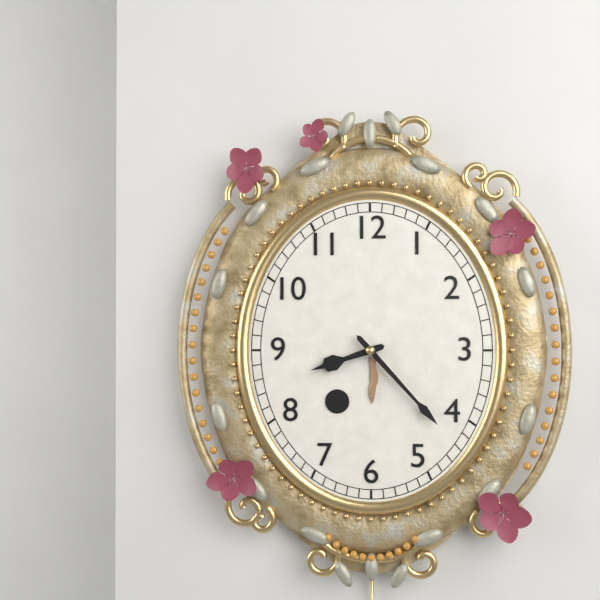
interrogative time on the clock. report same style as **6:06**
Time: **8:23**
